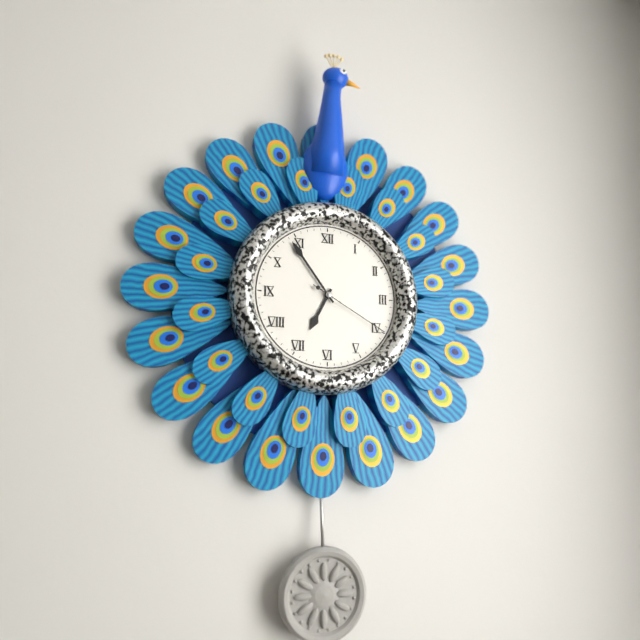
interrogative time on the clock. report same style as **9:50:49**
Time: **6:54:20**
